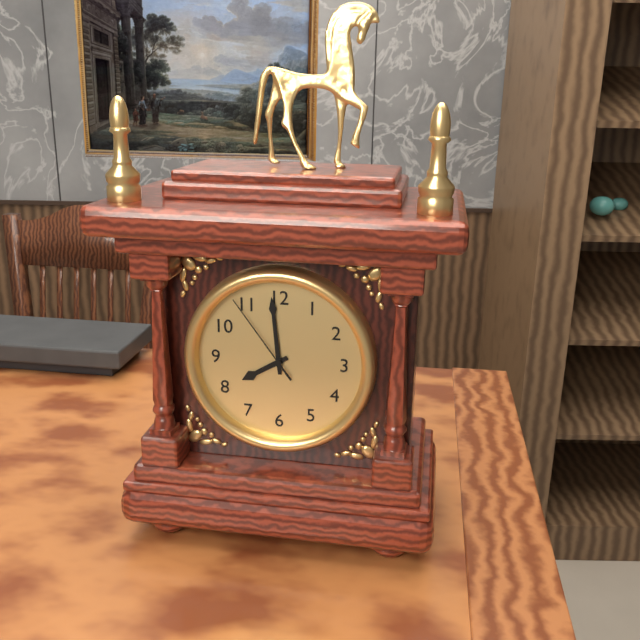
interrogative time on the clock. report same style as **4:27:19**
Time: **7:59:54**
